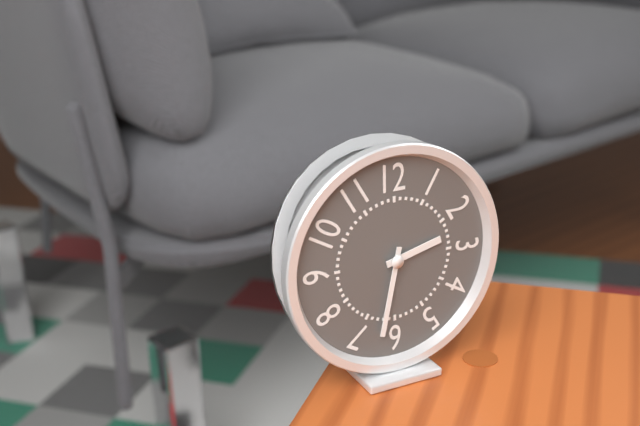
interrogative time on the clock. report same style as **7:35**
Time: **2:32**
